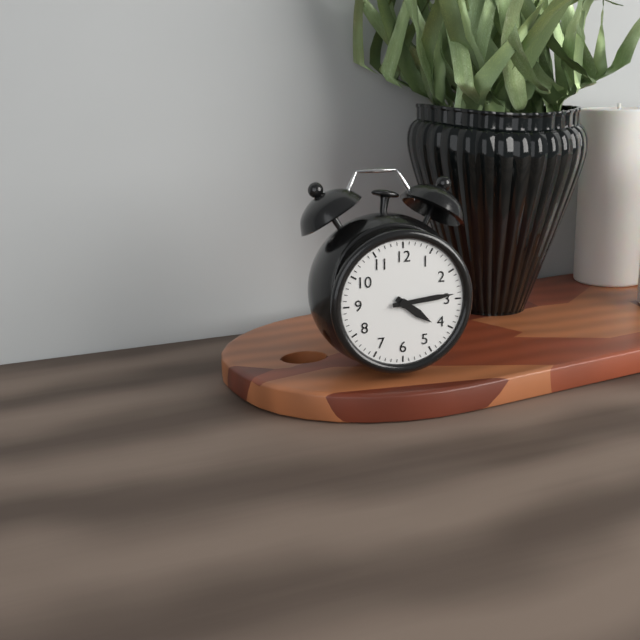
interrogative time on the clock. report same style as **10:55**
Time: **4:14**
